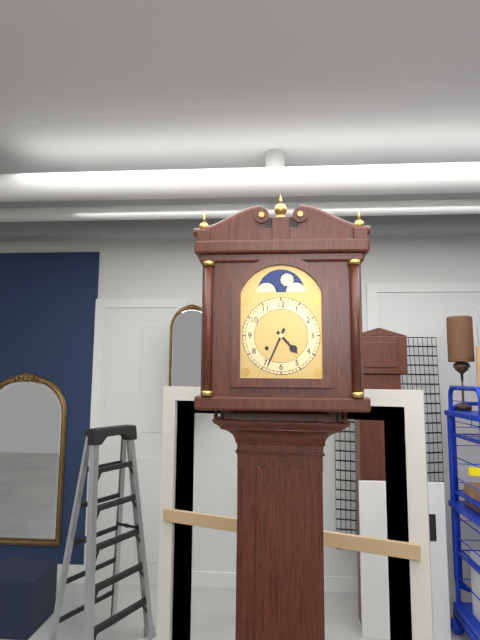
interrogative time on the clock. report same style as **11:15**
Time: **4:34**
